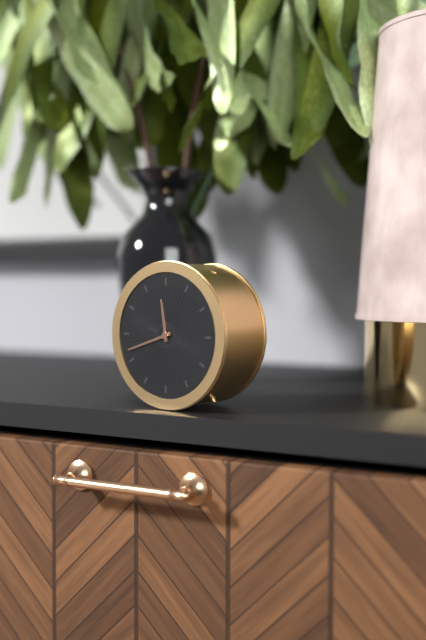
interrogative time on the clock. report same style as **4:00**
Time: **11:42**
